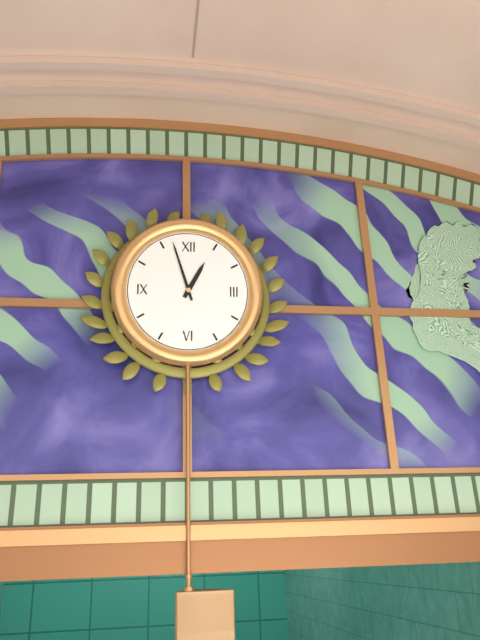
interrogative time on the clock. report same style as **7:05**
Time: **12:57**
